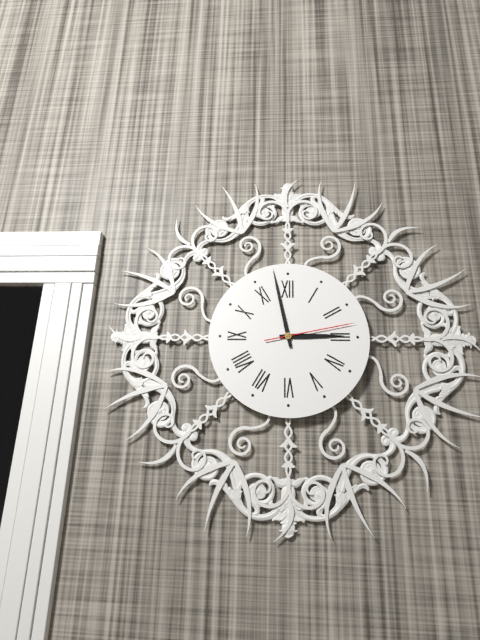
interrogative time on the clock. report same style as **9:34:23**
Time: **2:58:13**
